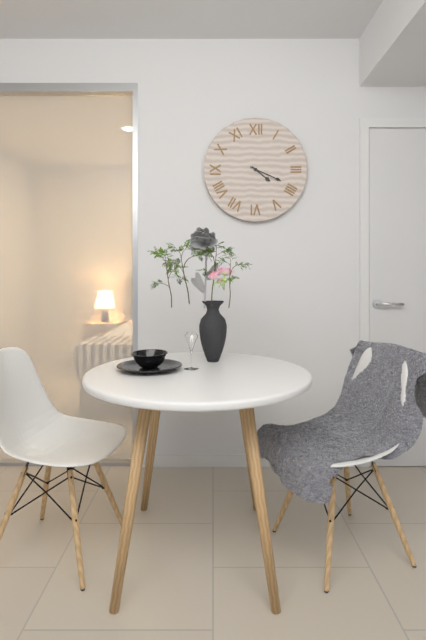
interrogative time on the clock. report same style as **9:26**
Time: **4:19**
